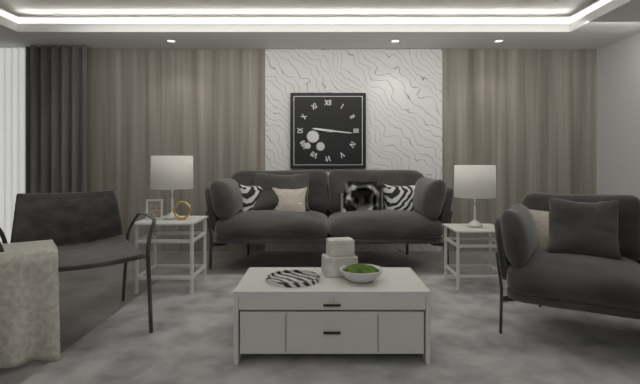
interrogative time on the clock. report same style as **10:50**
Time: **9:16**
